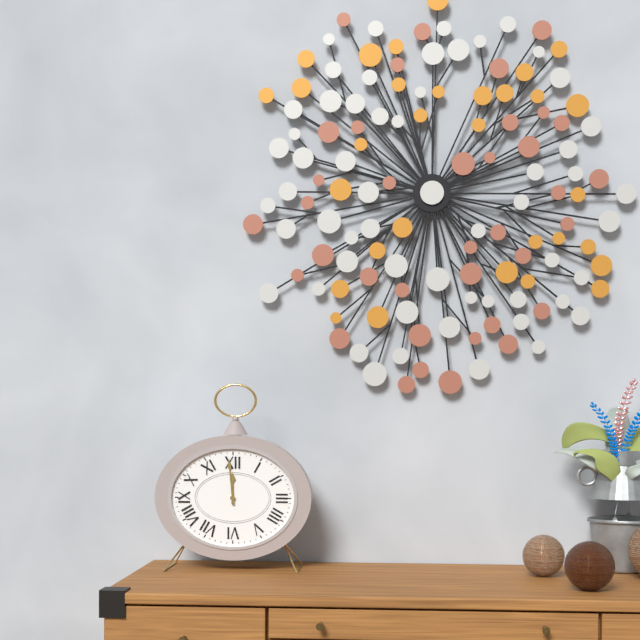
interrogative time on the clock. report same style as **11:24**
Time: **11:59**
